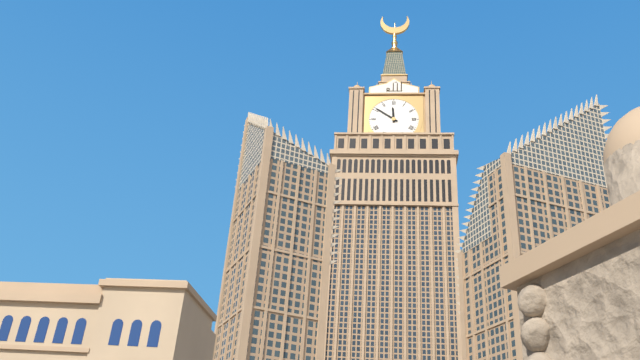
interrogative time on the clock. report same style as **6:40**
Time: **11:51**
